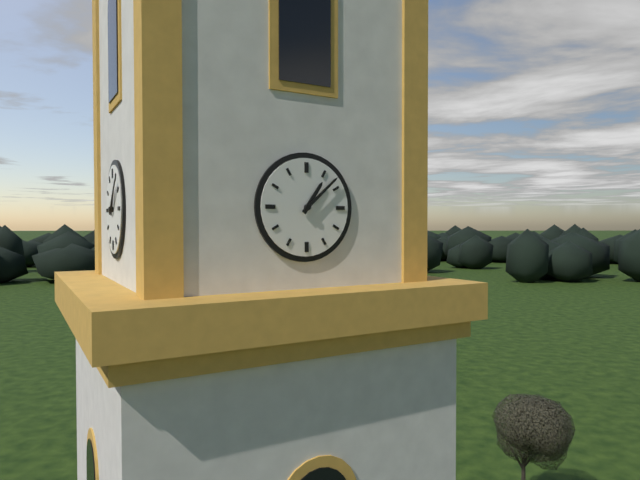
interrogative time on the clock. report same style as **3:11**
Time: **1:08**
